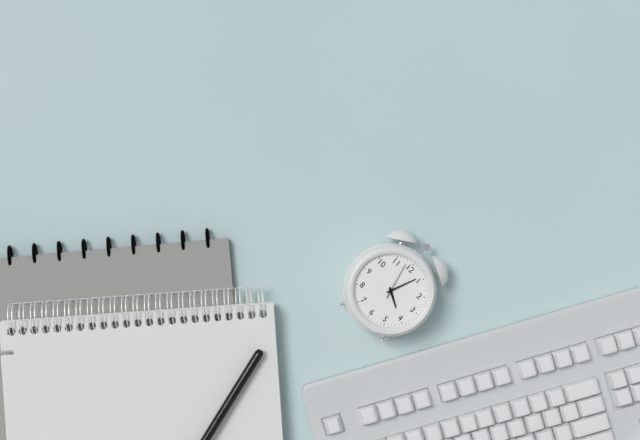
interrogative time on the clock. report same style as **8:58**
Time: **4:04**
